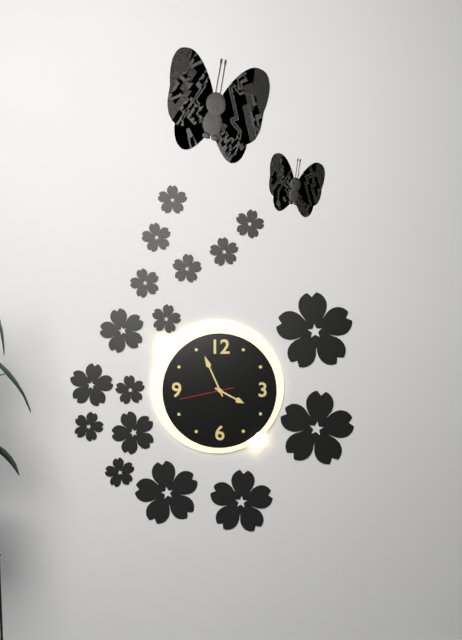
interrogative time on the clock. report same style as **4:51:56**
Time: **3:56:43**
